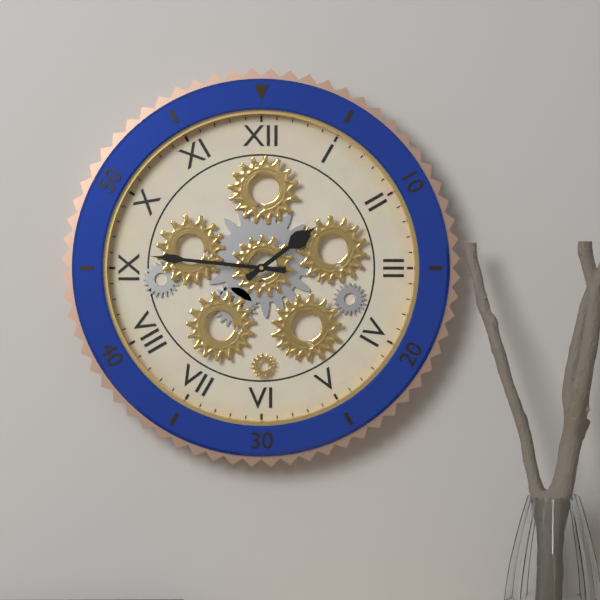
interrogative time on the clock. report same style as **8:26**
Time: **1:46**
